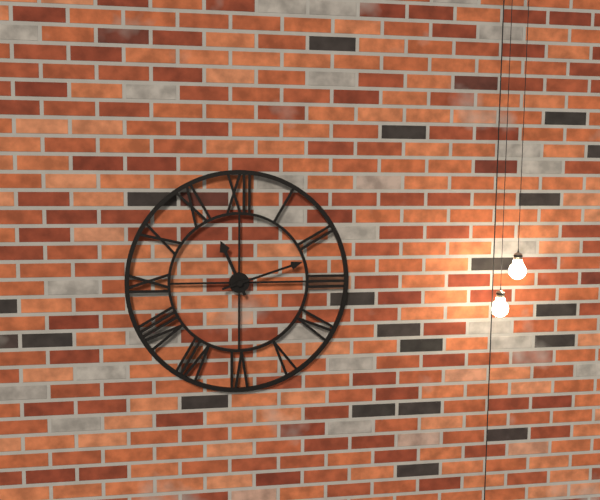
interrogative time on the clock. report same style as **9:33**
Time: **11:12**
